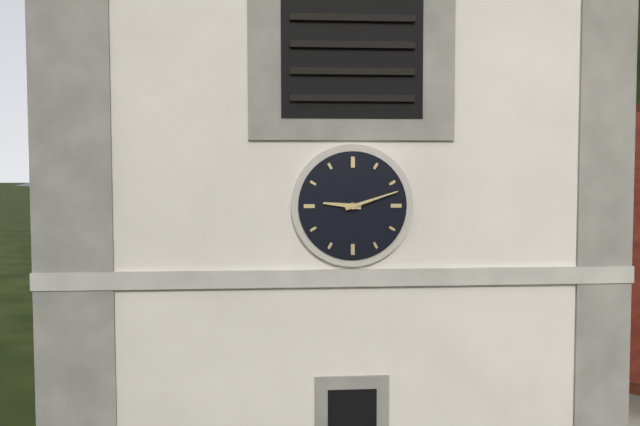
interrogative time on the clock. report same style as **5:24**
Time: **9:12**
